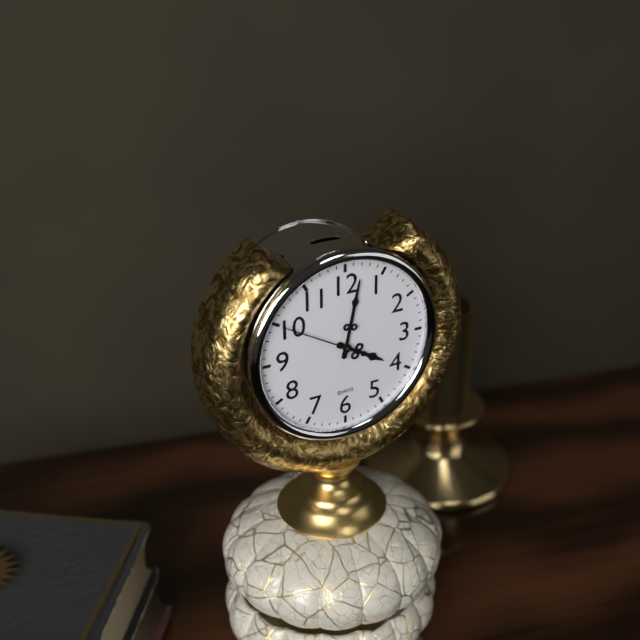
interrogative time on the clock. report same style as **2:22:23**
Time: **4:02:50**
